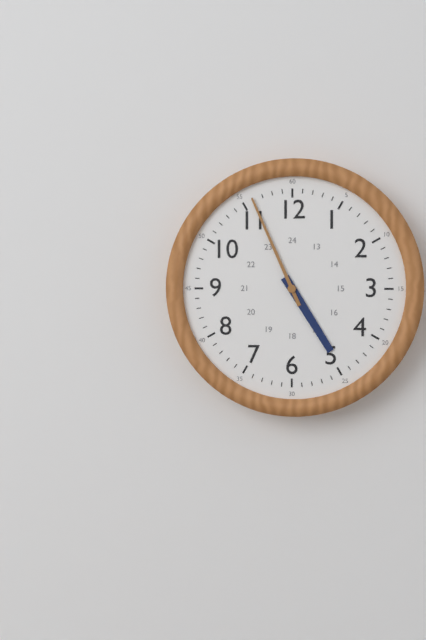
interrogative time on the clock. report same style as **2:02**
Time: **4:56**
